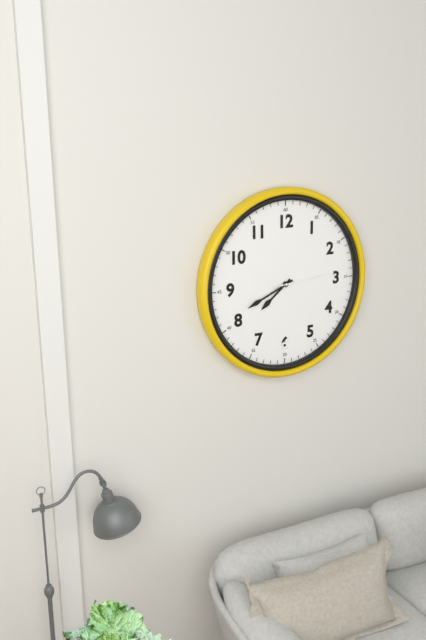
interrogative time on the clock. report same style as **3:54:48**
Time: **7:41:14**
